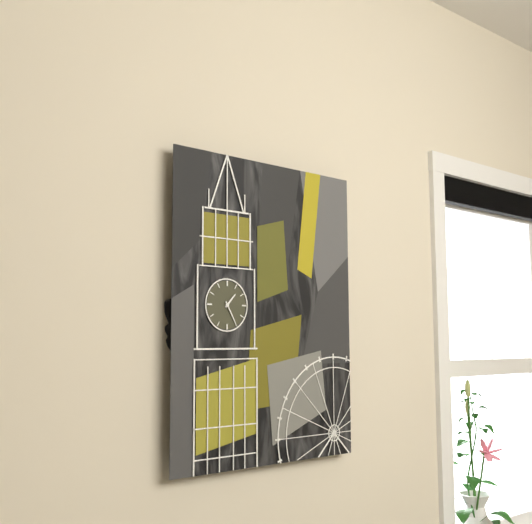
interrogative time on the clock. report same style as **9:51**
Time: **1:25**
